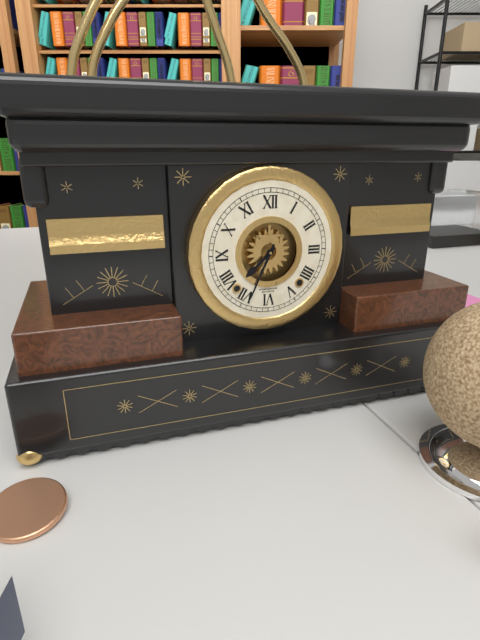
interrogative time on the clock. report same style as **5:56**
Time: **7:34**
